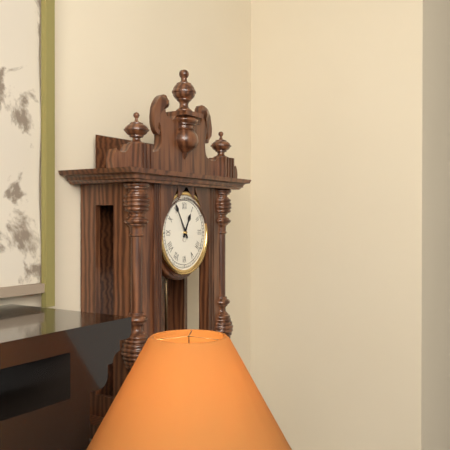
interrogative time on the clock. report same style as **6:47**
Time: **12:55**
